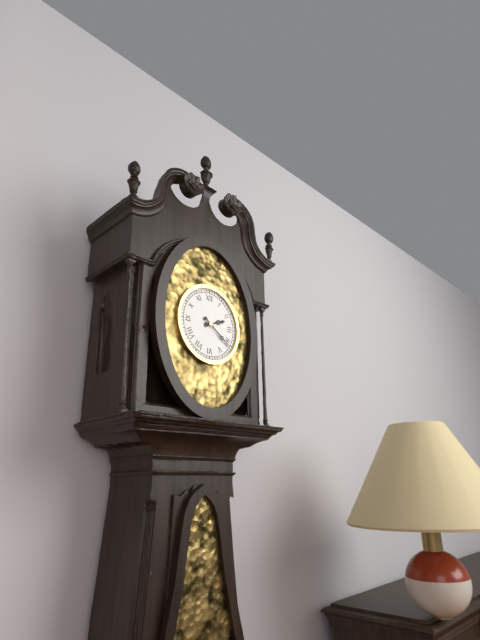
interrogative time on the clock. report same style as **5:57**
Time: **2:21**
